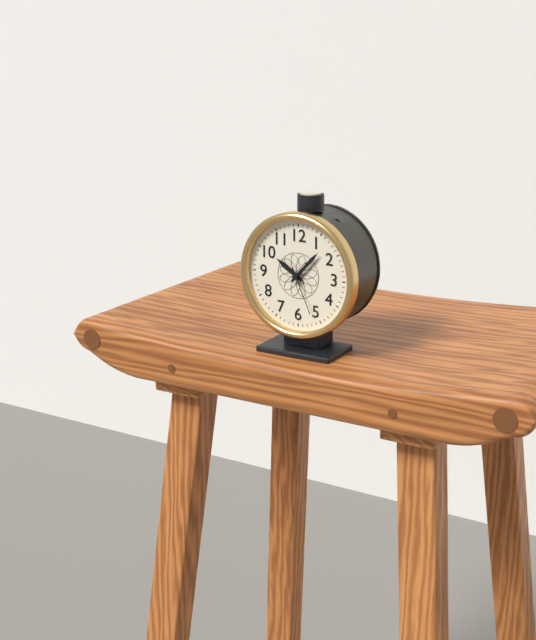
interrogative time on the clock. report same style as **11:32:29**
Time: **10:07:26**
